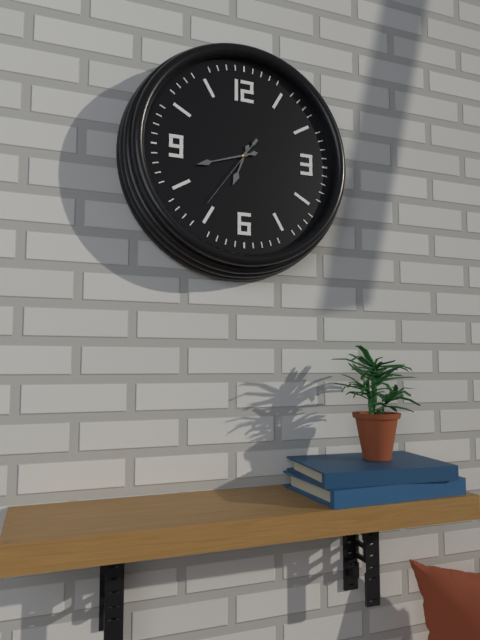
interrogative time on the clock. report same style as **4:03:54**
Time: **6:42:36**
